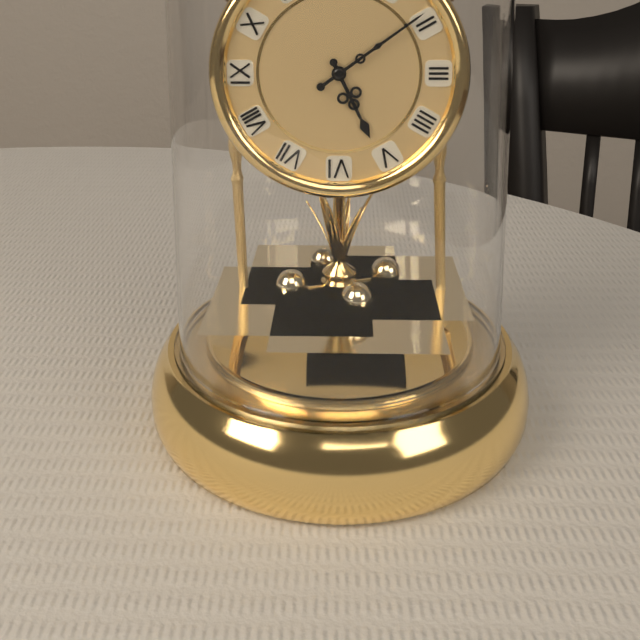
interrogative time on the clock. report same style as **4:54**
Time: **5:09**
